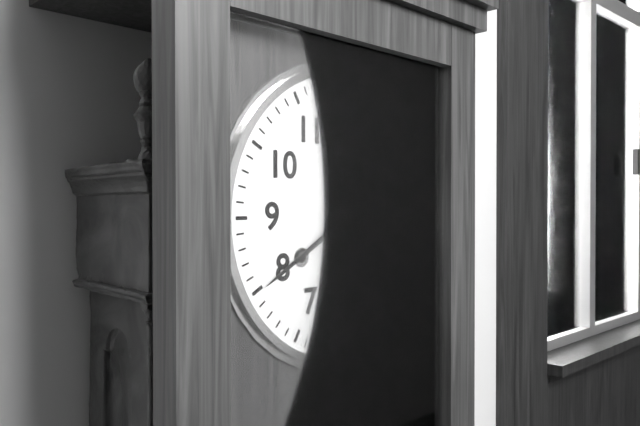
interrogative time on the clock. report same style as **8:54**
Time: **5:40**
